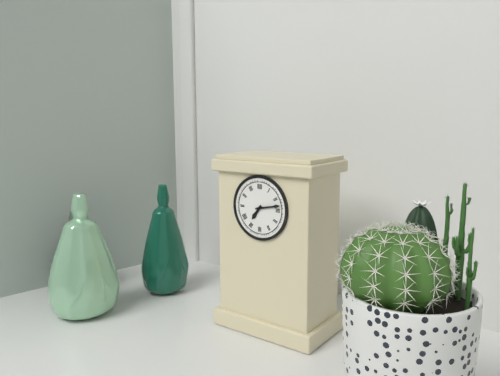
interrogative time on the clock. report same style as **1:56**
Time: **7:13**
